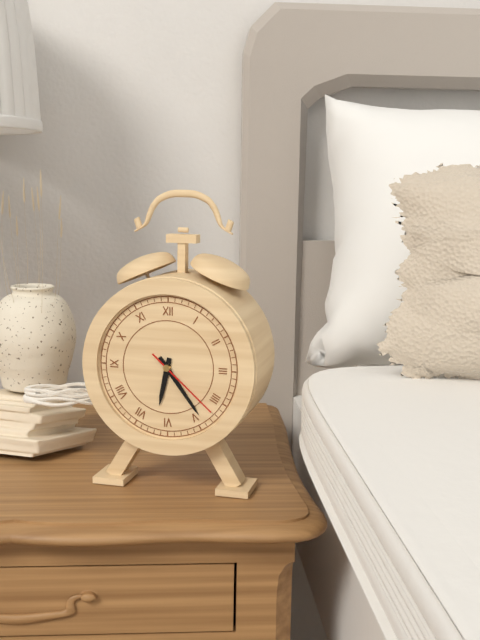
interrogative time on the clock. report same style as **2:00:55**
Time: **6:24:22**
